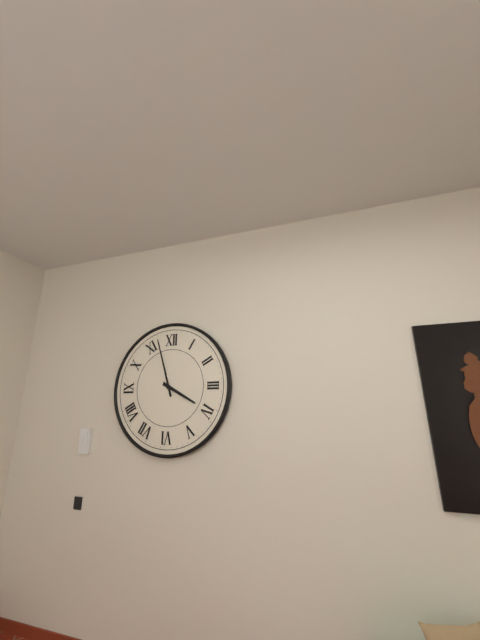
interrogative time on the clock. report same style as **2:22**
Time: **3:57**
